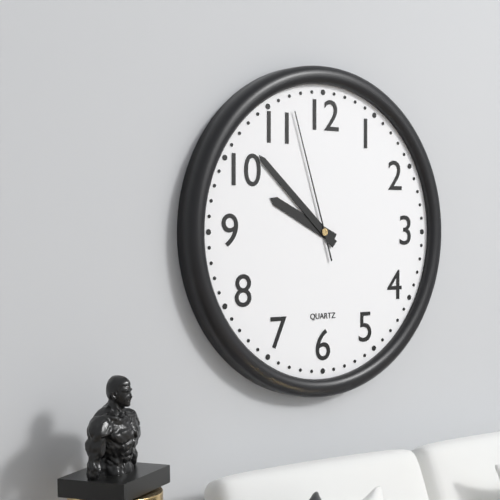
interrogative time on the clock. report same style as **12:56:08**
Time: **9:52:57**
